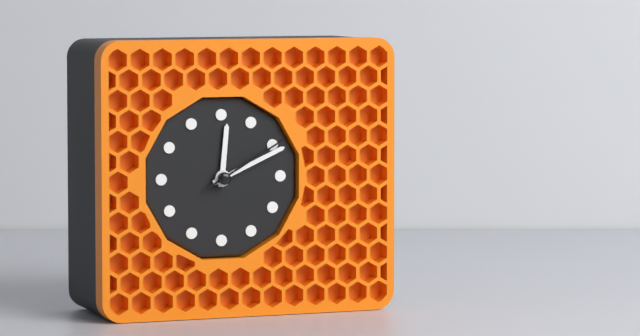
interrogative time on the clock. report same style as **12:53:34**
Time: **12:11:10**
